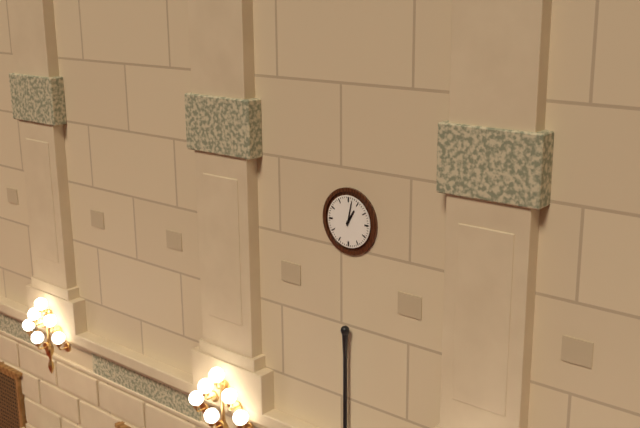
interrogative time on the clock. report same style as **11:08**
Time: **1:02**
